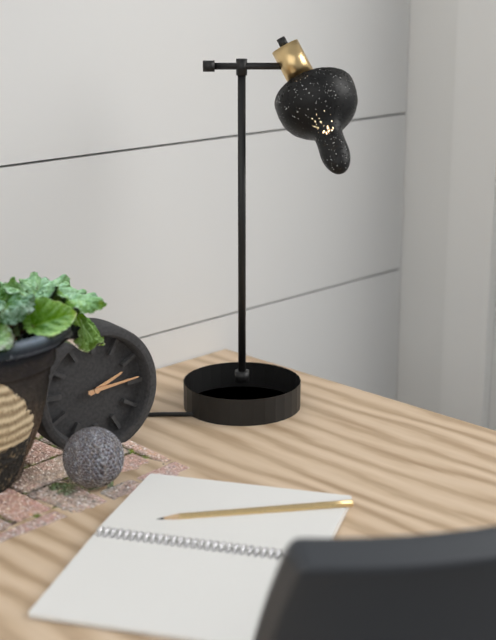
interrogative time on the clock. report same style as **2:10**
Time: **2:14**
